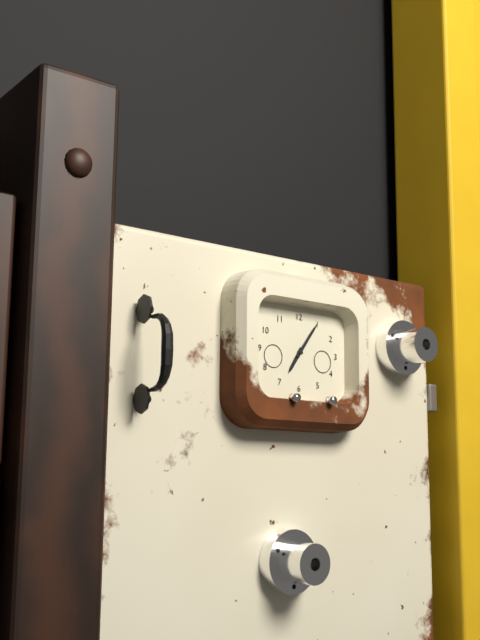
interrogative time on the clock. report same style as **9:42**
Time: **7:06**
